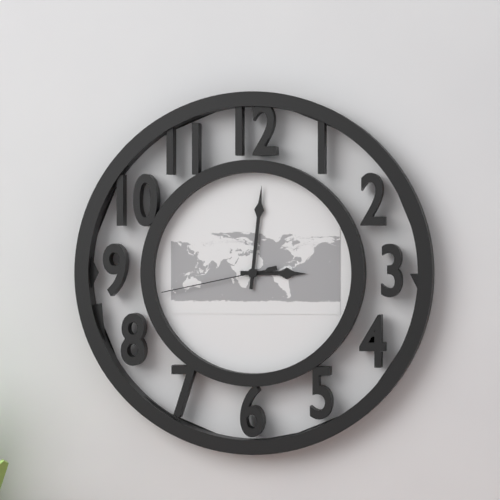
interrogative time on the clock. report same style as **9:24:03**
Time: **3:01:43**
